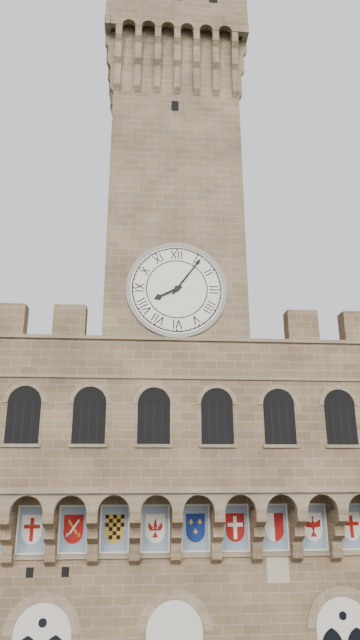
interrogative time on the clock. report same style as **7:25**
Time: **8:06**
